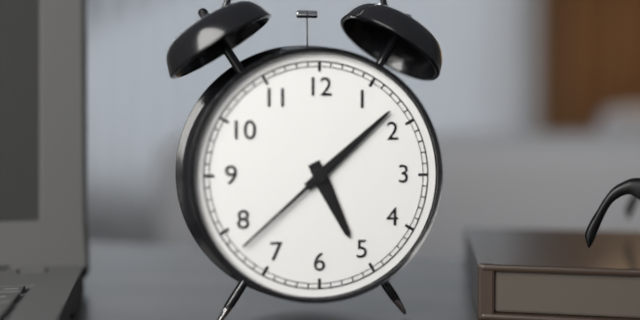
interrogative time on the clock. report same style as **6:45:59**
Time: **5:08:38**
